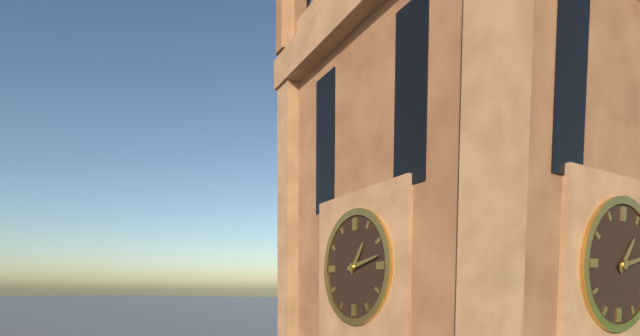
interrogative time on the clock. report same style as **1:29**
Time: **1:13**
